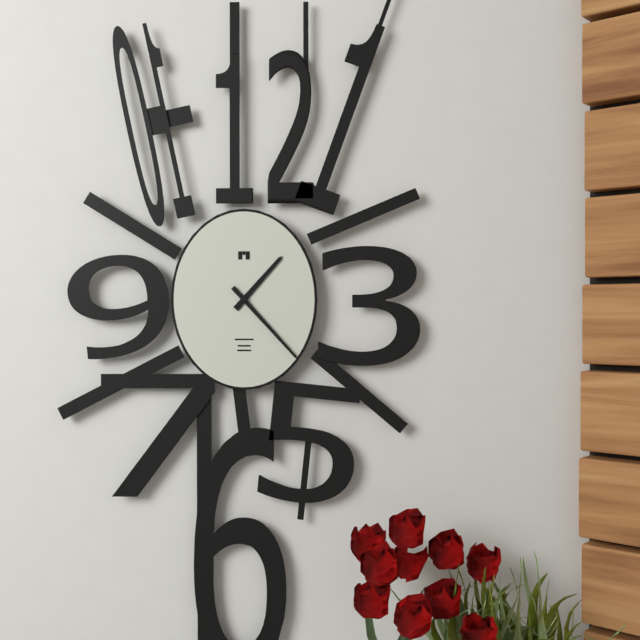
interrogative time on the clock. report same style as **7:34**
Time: **1:23**
